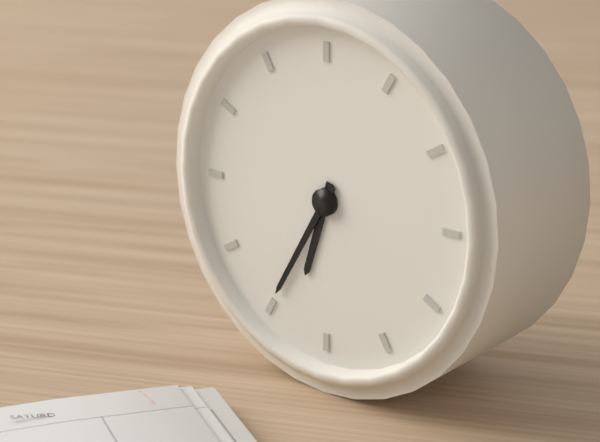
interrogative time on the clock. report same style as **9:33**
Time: **6:35**
